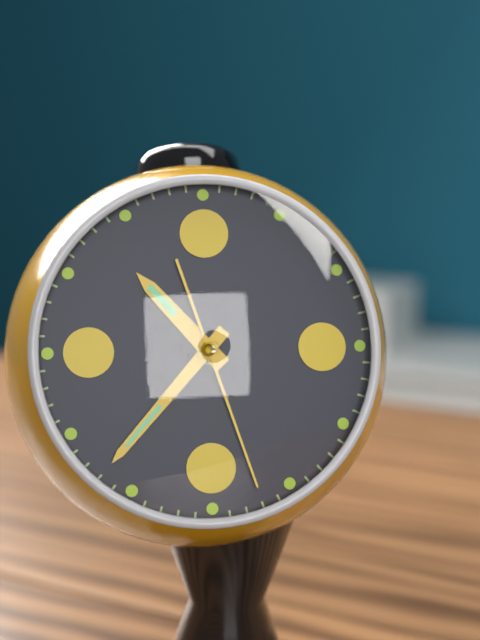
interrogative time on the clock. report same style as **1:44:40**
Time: **10:37:27**
